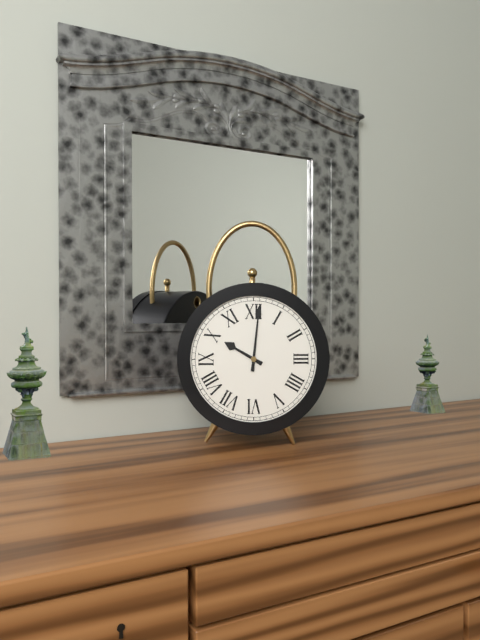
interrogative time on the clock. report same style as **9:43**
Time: **10:01**
